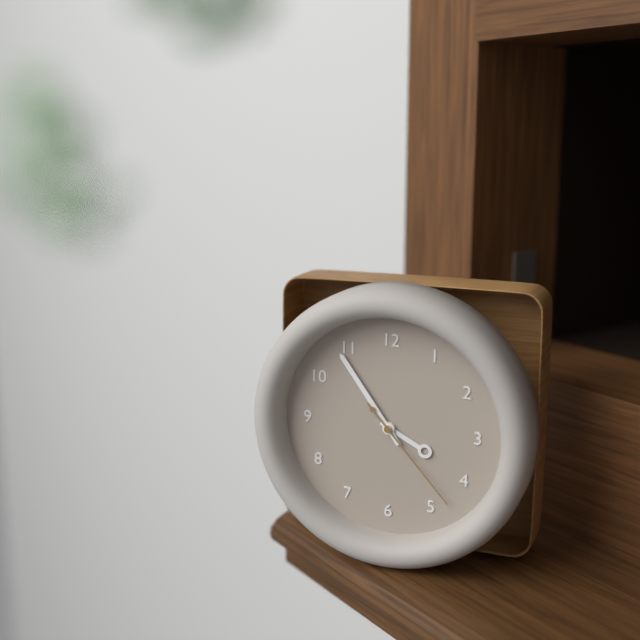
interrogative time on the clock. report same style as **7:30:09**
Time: **3:54:23**
